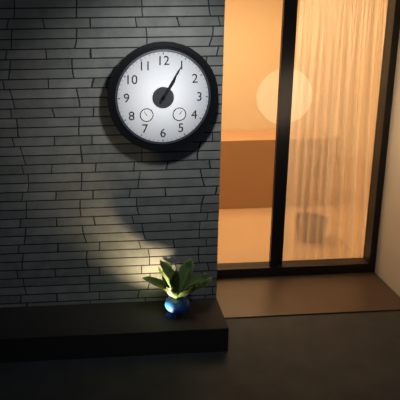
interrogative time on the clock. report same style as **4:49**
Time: **1:05**
